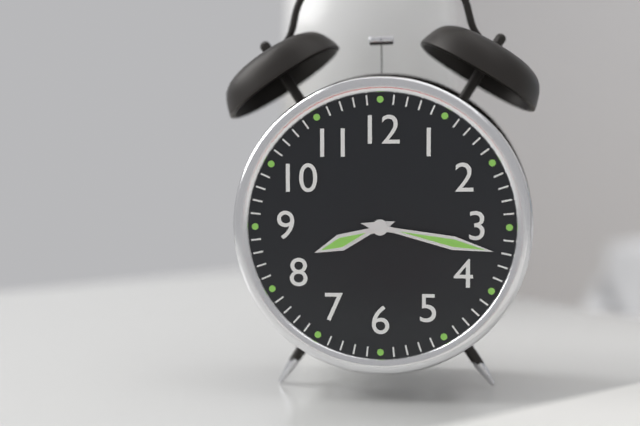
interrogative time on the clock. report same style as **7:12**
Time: **8:17**
